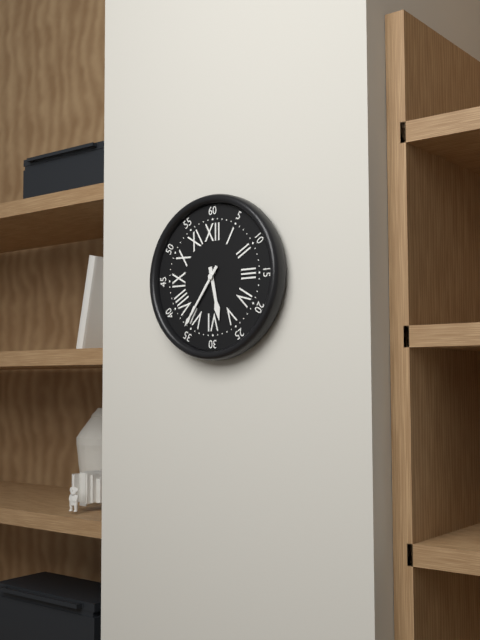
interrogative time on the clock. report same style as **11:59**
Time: **5:36**
